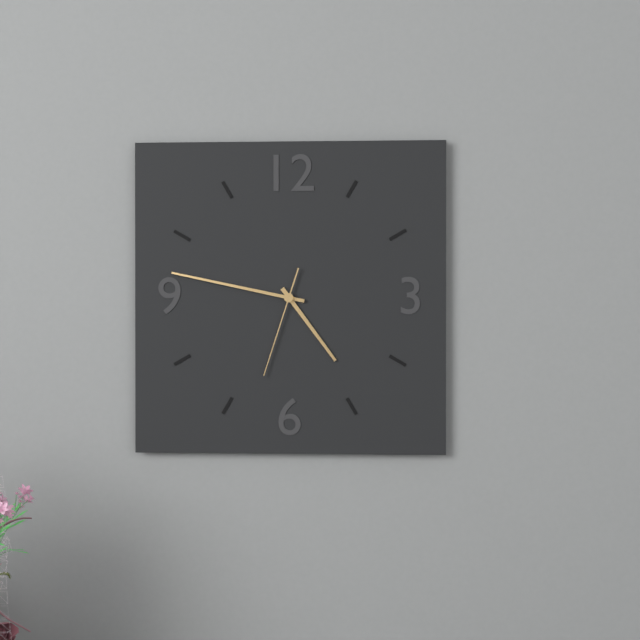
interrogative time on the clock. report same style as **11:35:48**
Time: **4:47:33**
